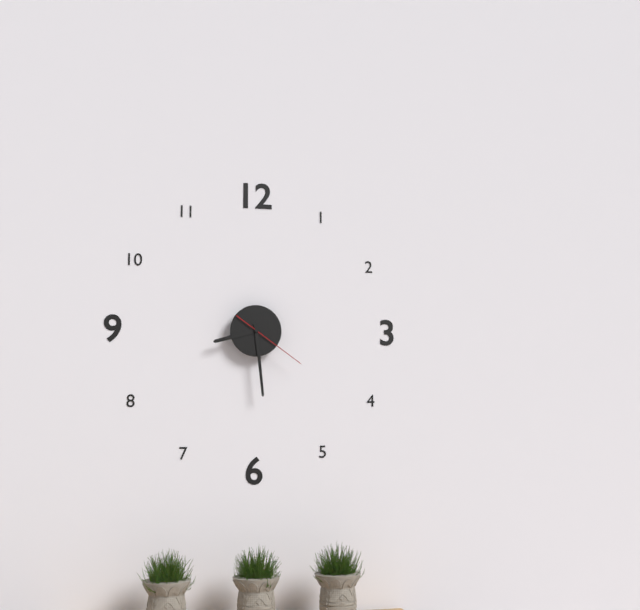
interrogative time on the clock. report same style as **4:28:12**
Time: **8:29:21**
